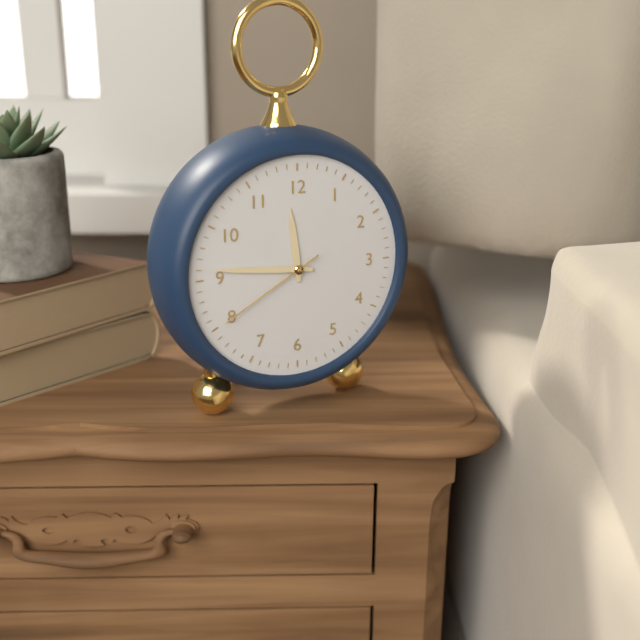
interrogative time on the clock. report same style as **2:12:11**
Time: **11:46:40**
